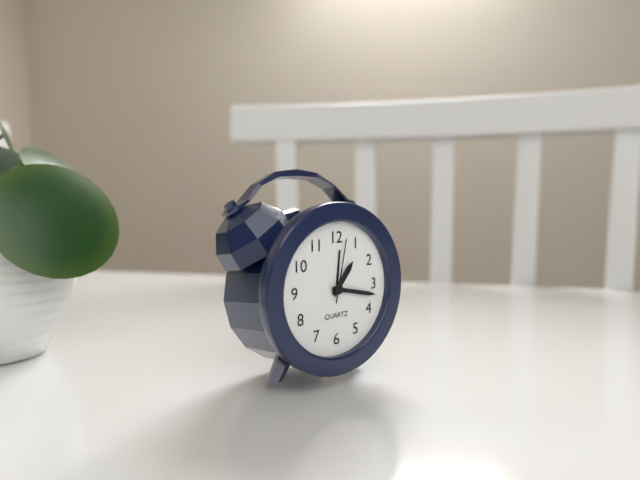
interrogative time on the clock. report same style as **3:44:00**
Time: **1:17:02**
